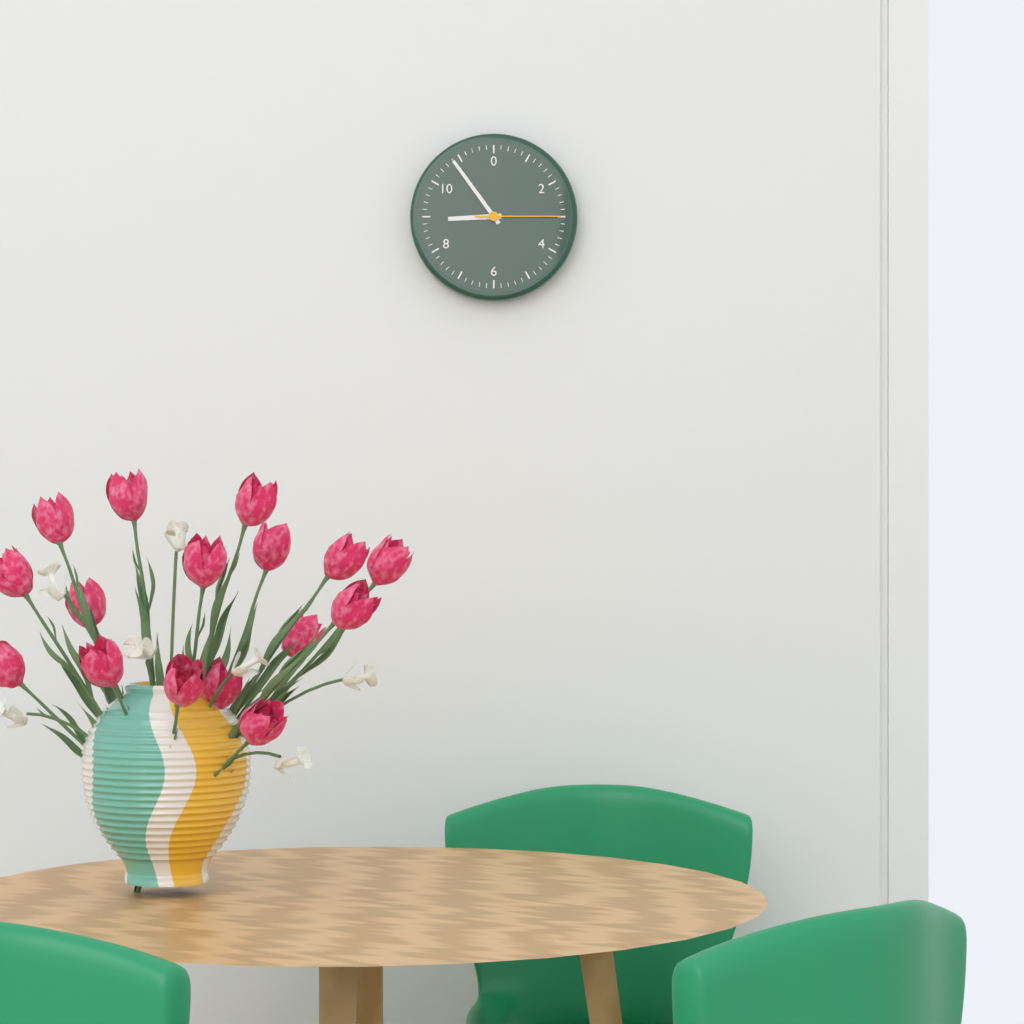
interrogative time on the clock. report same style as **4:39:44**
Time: **8:54:15**
